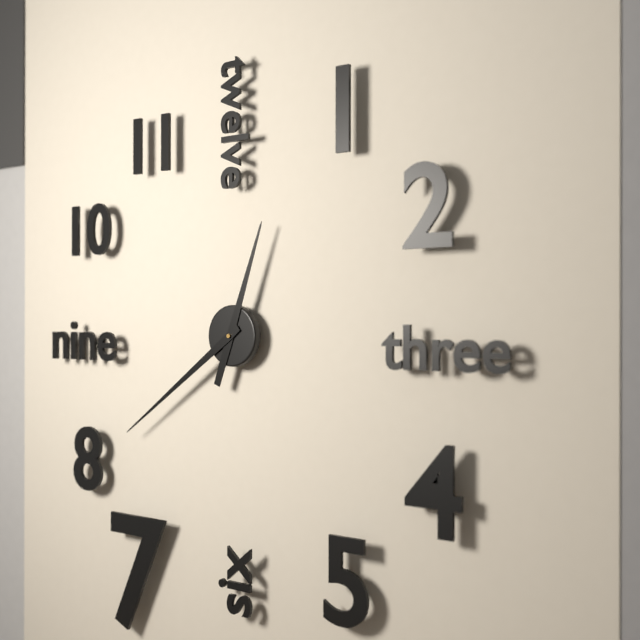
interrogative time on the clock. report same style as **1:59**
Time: **12:39**
